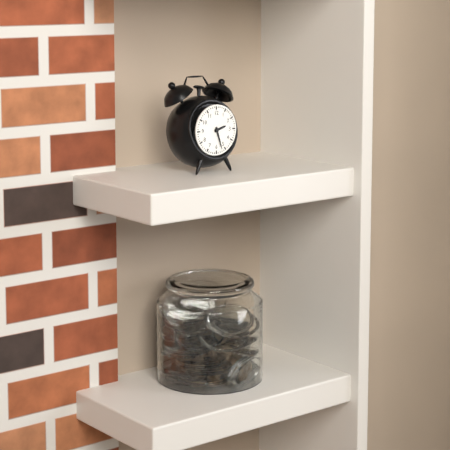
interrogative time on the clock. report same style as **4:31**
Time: **2:27**
